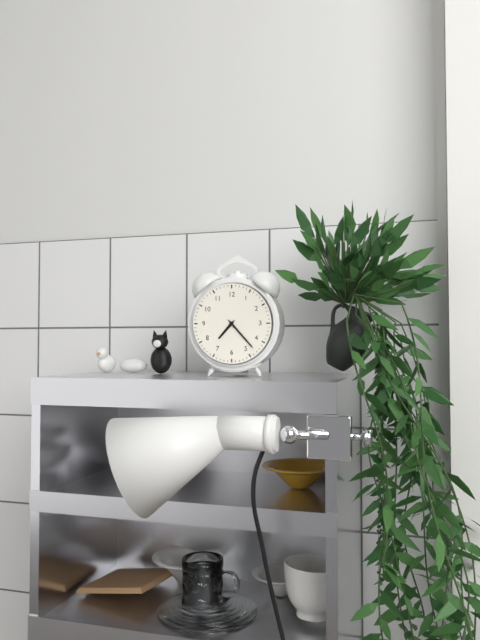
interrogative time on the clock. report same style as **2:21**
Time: **7:23**
